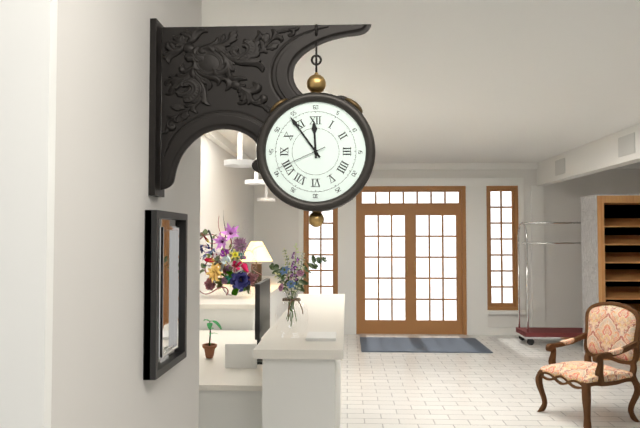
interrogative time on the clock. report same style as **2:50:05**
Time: **11:54:41**
